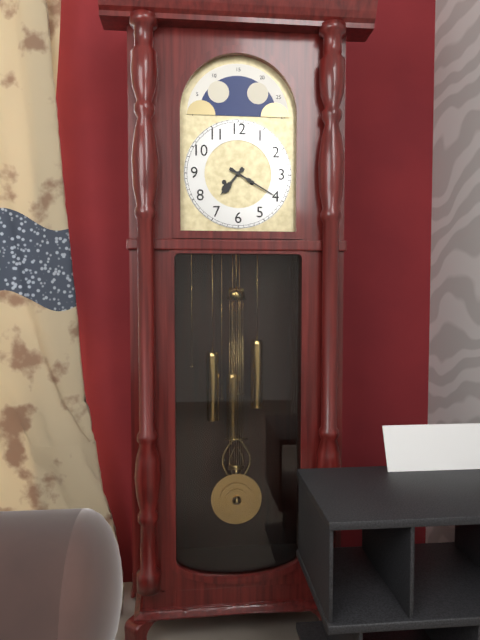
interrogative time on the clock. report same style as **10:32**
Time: **7:20**
